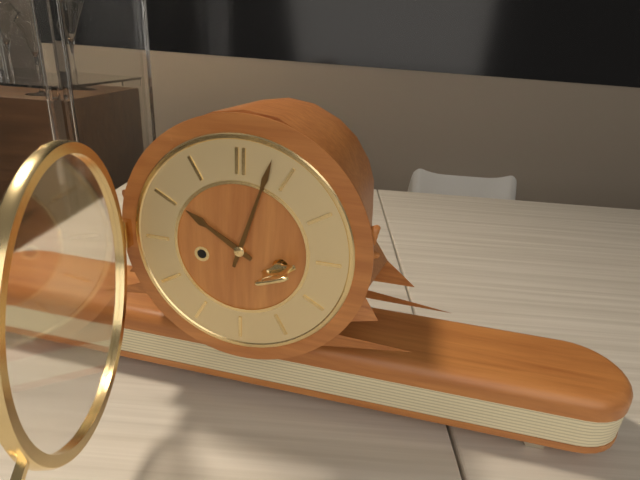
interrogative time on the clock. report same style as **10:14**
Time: **10:03**
